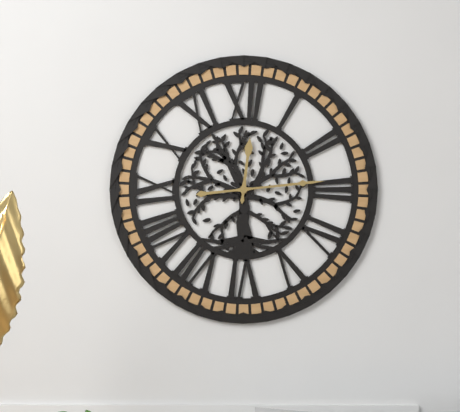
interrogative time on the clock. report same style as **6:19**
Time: **12:14**
